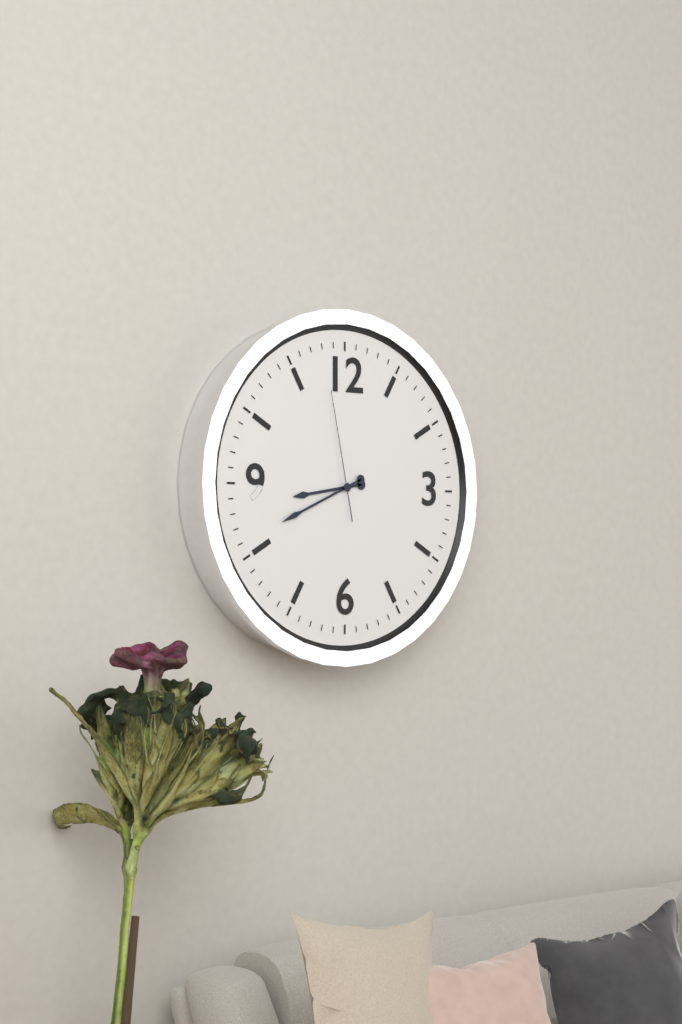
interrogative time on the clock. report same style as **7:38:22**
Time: **8:41:58**
